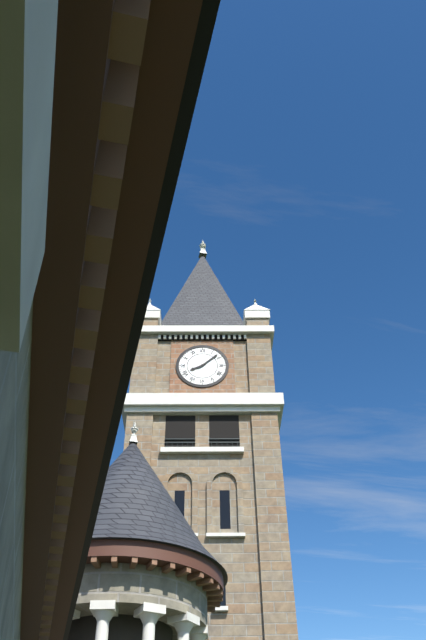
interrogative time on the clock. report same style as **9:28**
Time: **8:08**
